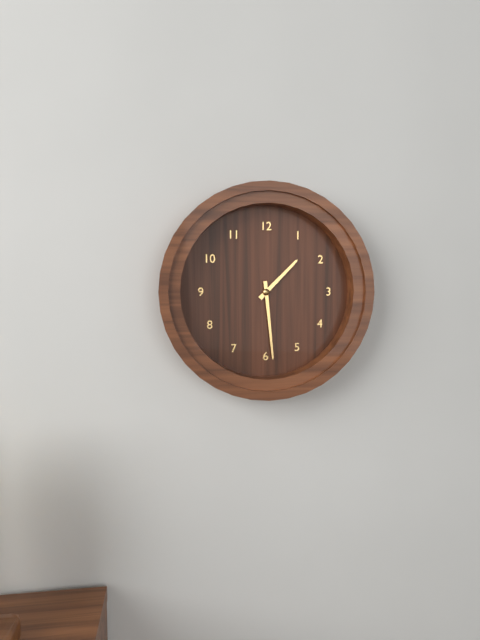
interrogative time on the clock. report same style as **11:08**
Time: **1:29**
